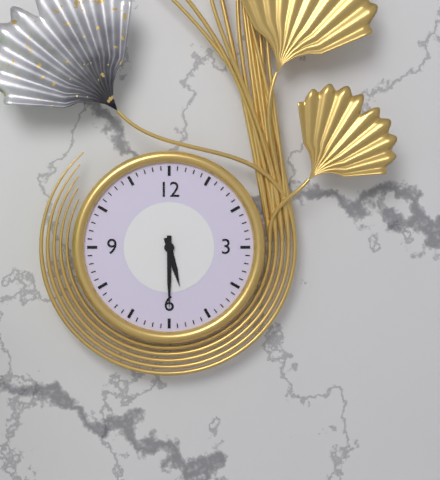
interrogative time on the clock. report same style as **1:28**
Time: **5:30**
